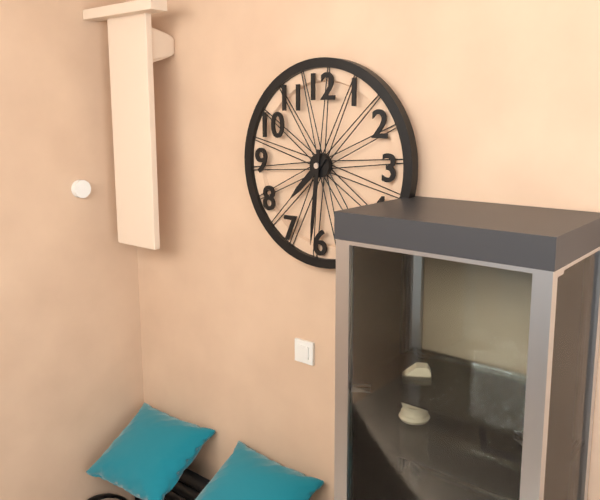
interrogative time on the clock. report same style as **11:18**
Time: **7:31**
